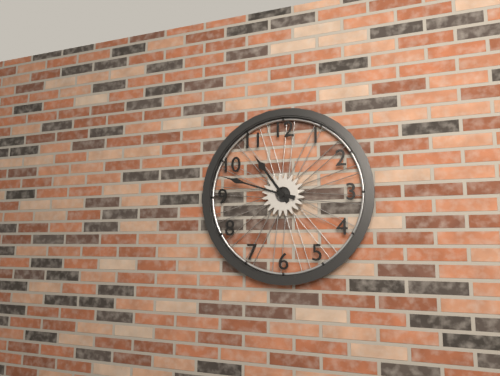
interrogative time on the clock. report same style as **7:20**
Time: **10:48**
